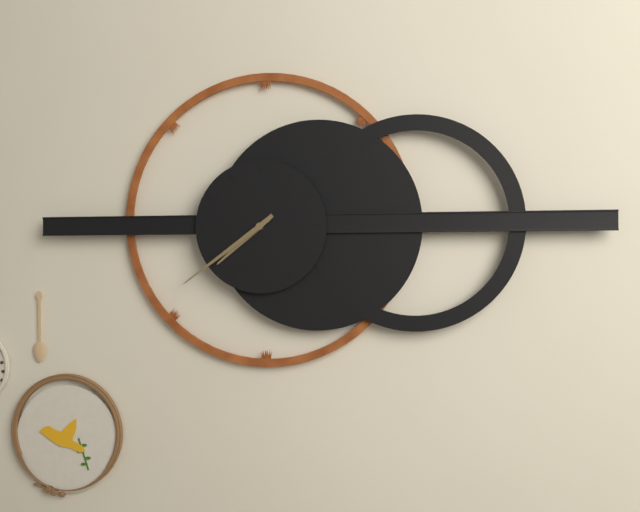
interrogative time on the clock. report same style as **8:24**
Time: **7:39**
